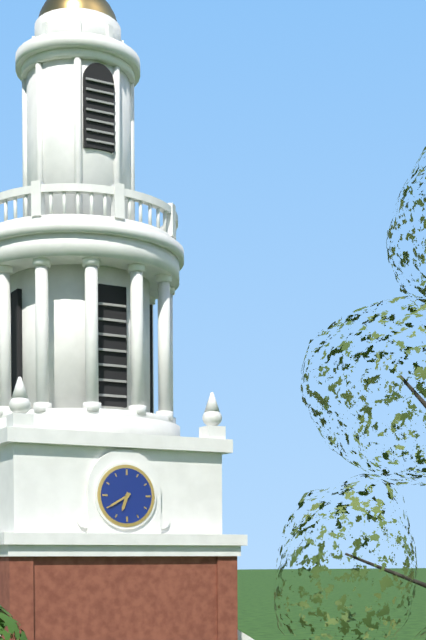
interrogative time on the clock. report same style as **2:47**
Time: **6:40**
